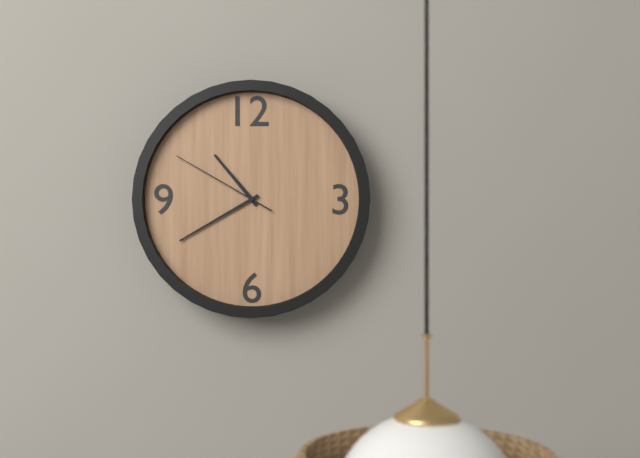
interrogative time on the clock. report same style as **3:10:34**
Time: **10:40:50**
